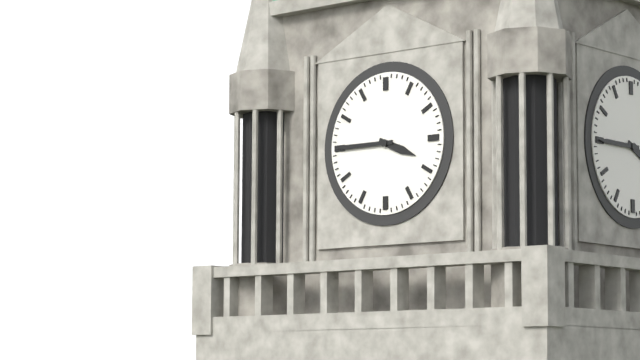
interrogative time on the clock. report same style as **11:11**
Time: **3:45**
